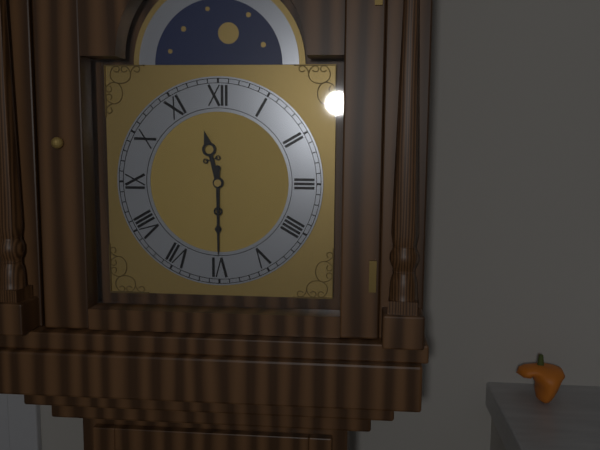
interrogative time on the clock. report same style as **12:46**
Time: **11:30**
